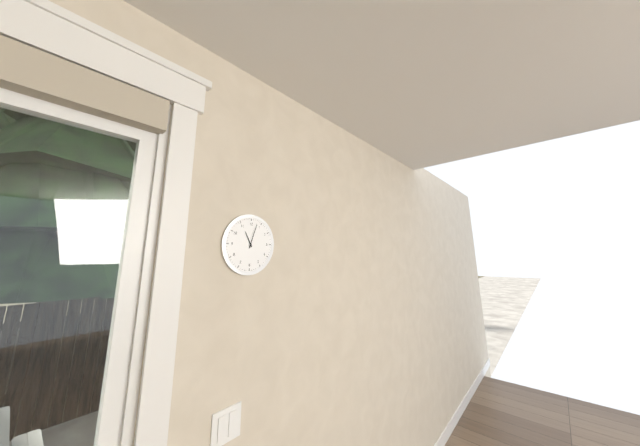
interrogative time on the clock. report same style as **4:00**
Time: **11:03**
